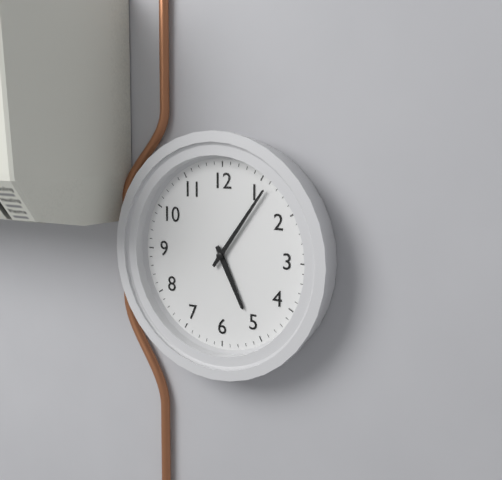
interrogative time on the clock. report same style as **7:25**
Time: **5:06**
